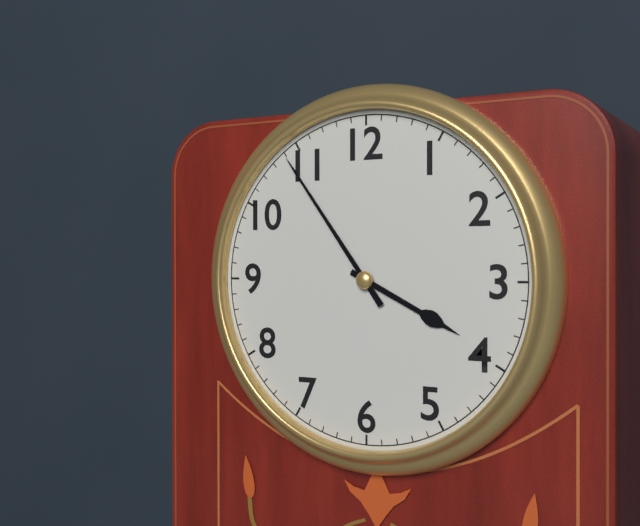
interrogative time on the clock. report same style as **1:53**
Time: **3:54**
